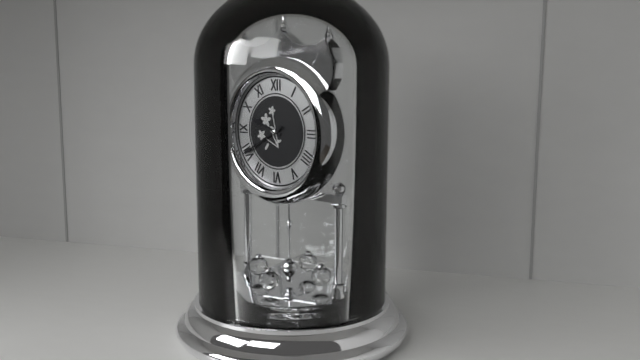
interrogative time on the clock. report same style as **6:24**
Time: **9:40**
